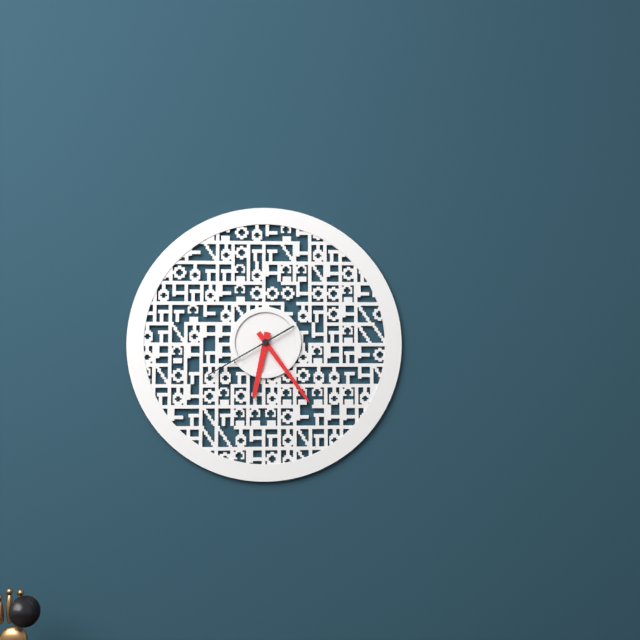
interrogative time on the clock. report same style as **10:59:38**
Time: **6:24:40**
